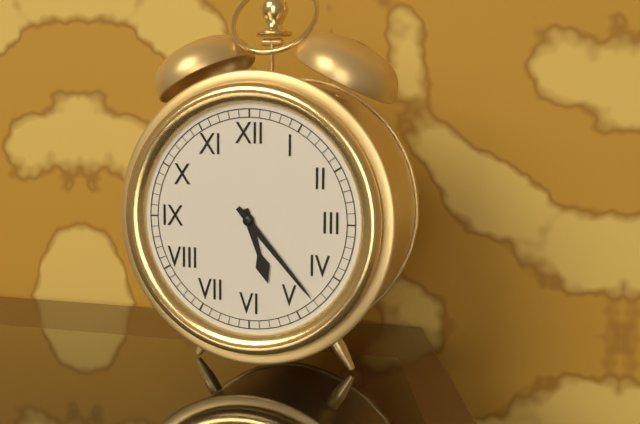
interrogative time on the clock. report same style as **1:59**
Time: **5:23**
